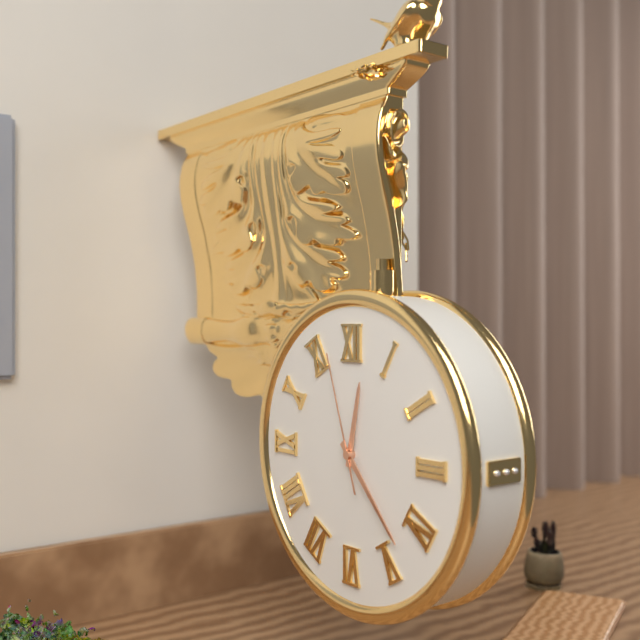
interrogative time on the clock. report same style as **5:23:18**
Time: **12:23:57**
